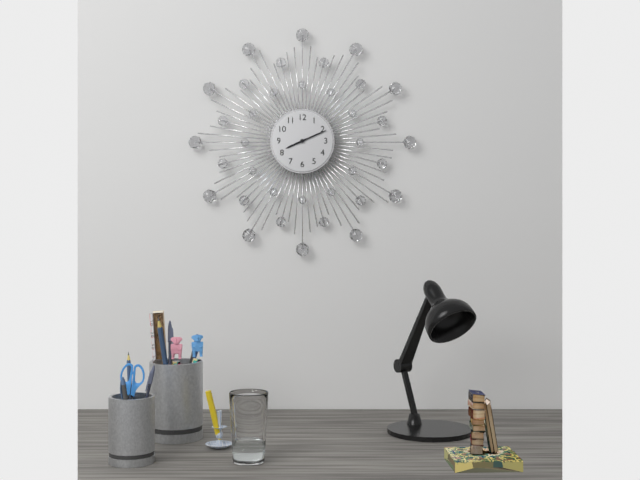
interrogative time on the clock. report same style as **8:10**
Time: **8:11**
